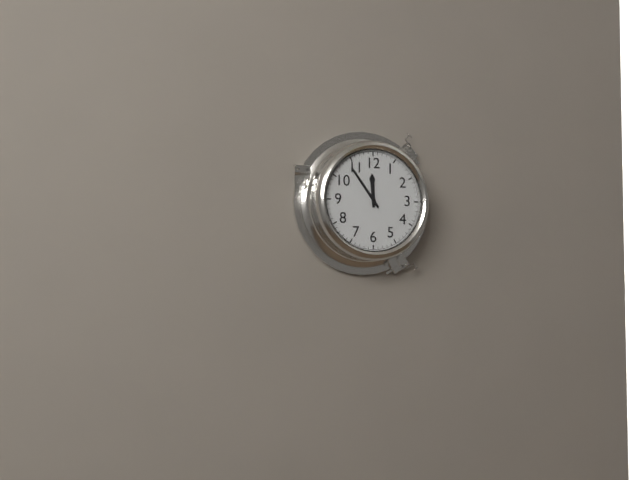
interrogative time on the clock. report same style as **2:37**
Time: **11:54**
